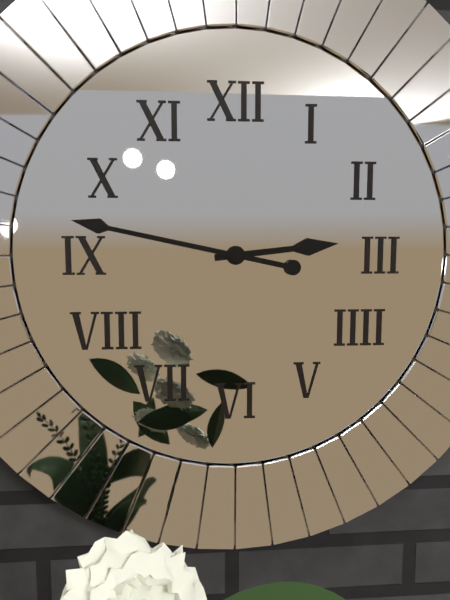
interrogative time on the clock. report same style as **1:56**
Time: **2:47**
